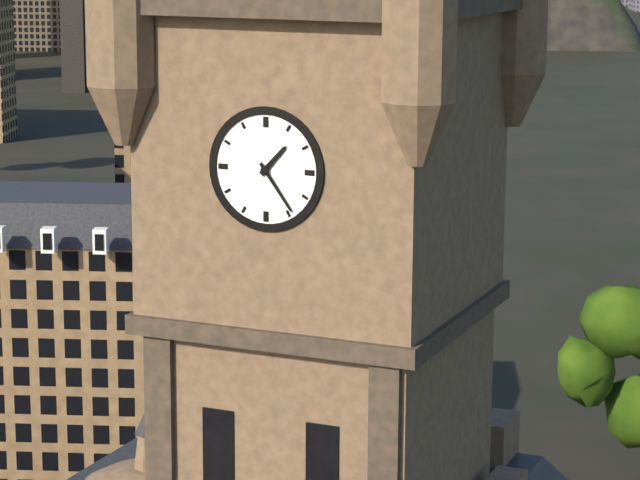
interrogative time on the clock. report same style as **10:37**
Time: **1:24**
